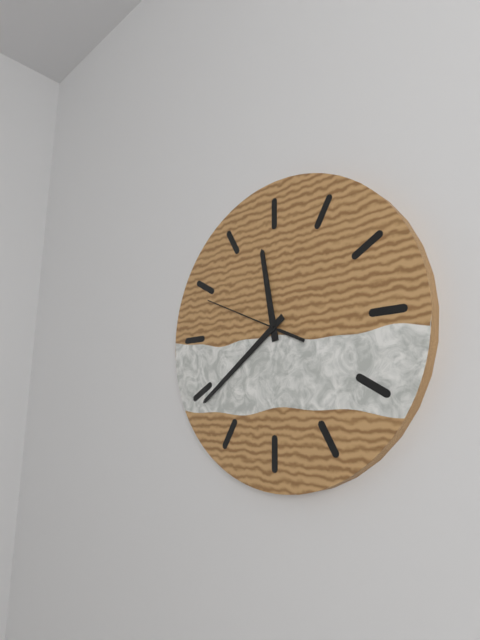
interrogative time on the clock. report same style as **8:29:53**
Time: **11:39:49**
